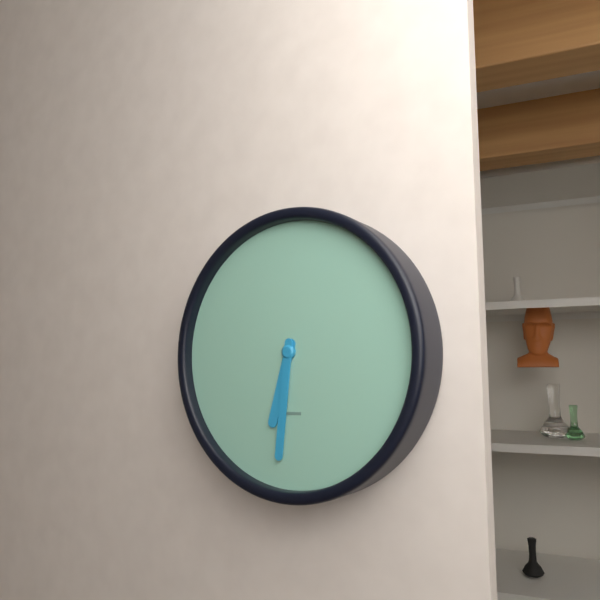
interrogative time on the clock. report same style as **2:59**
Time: **6:31**
